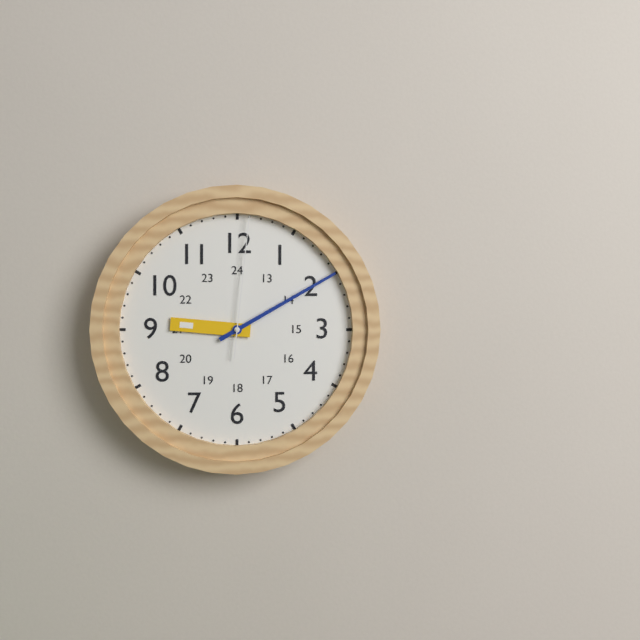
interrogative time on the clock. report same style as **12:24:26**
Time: **9:10:01**
